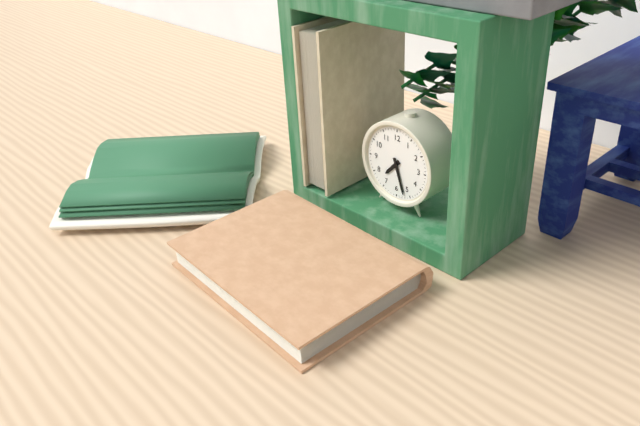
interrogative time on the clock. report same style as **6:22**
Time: **7:27**
